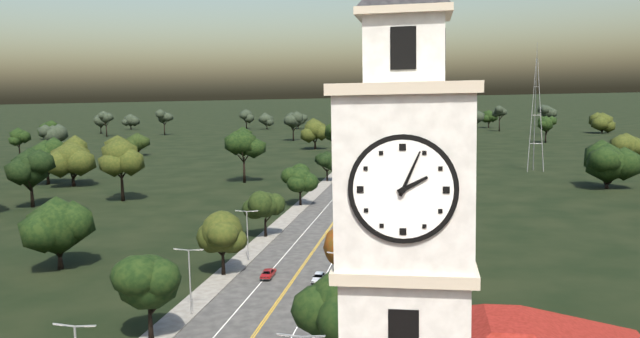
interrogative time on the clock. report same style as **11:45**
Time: **2:04**
